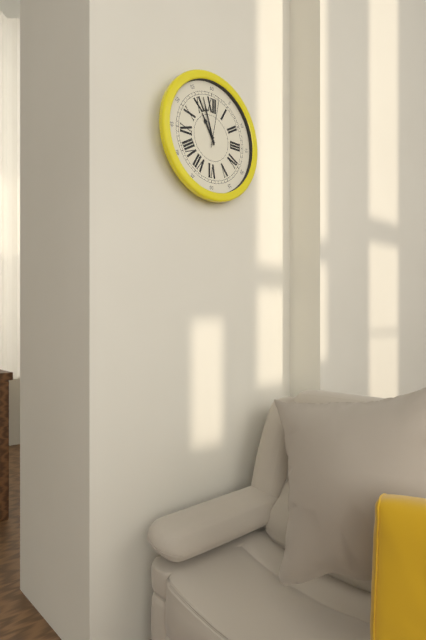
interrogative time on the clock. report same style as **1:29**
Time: **10:57**
